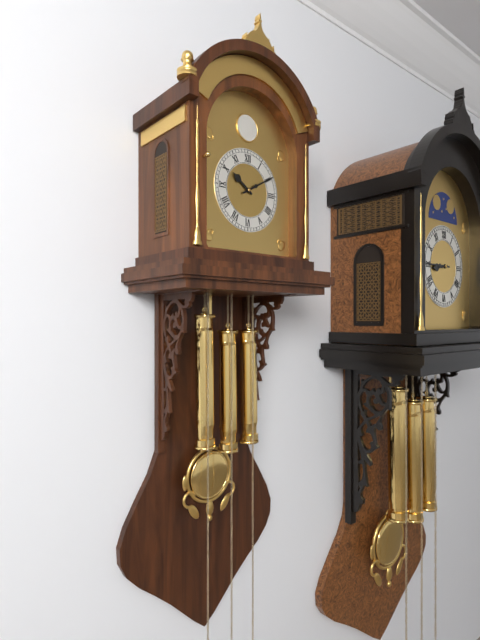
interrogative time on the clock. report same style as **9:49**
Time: **10:10**
